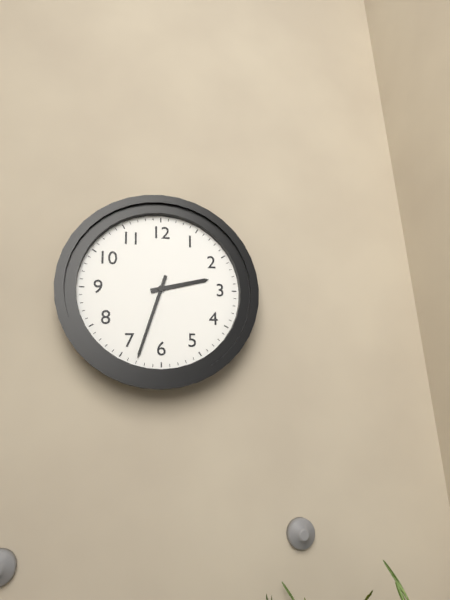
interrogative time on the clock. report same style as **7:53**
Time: **2:33**
